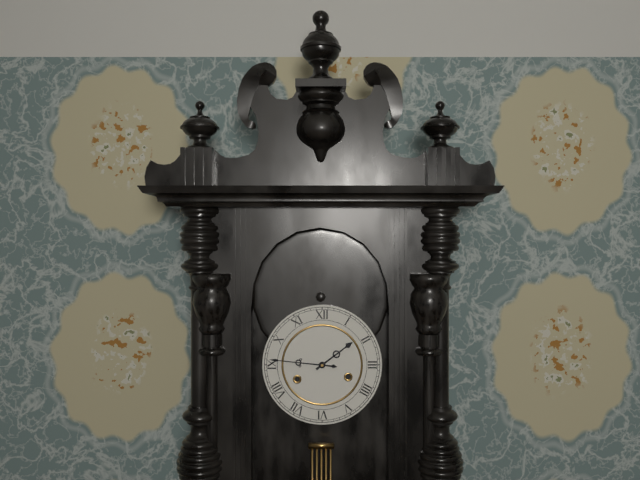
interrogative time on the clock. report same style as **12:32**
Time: **1:46**
